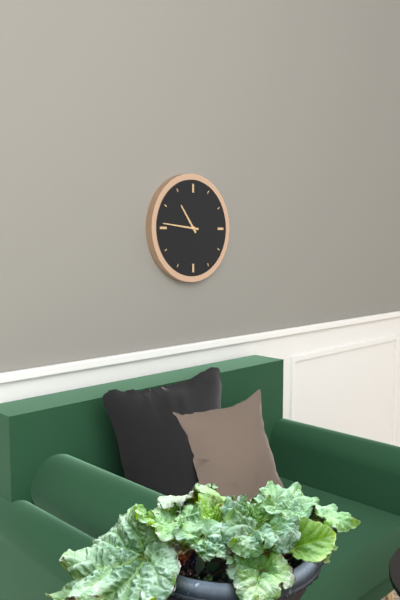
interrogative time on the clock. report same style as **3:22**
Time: **10:46**
